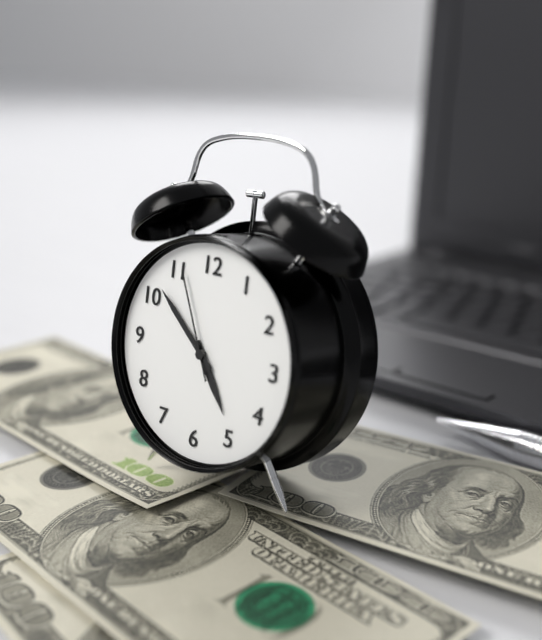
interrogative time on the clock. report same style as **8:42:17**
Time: **4:52:56**
